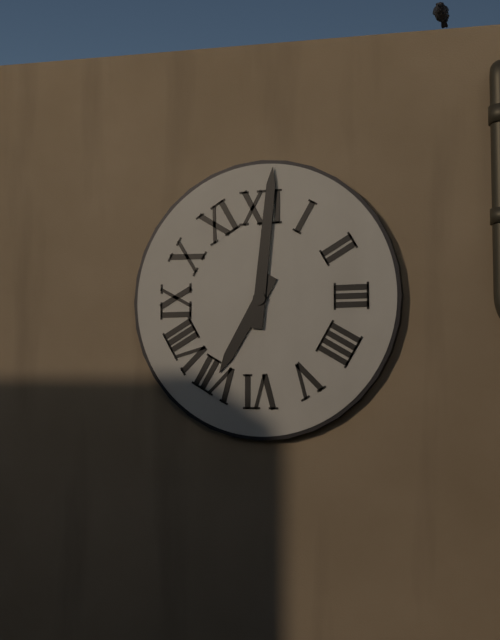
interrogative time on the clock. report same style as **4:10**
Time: **7:01**
